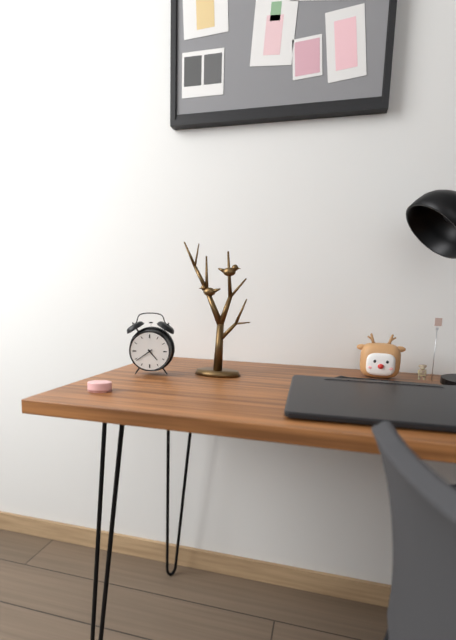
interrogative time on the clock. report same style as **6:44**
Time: **4:39**
